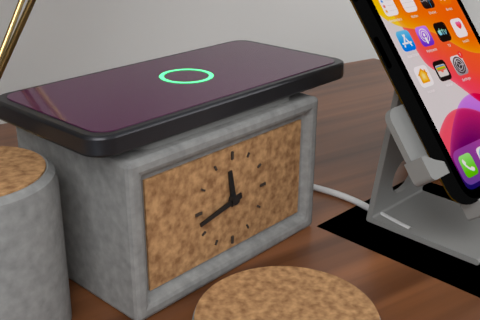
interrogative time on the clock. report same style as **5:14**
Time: **11:43**
